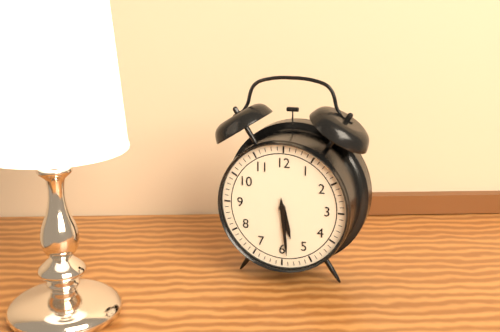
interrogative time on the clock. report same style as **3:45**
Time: **5:29**
